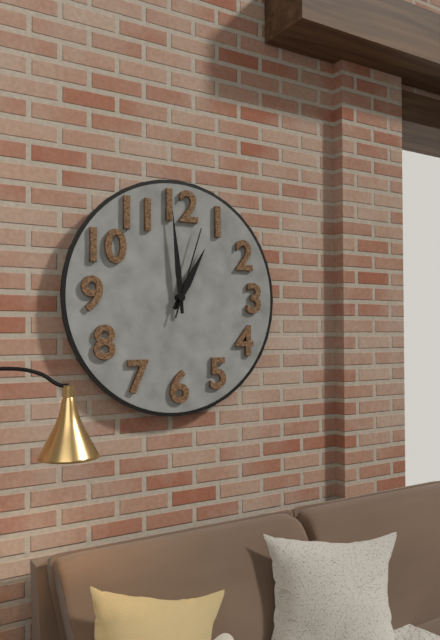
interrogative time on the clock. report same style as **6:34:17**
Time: **12:59:03**
